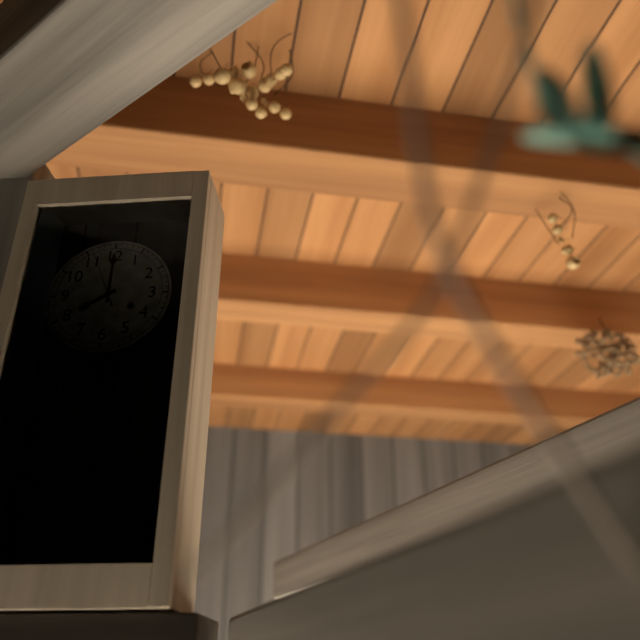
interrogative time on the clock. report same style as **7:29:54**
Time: **8:00:56**
